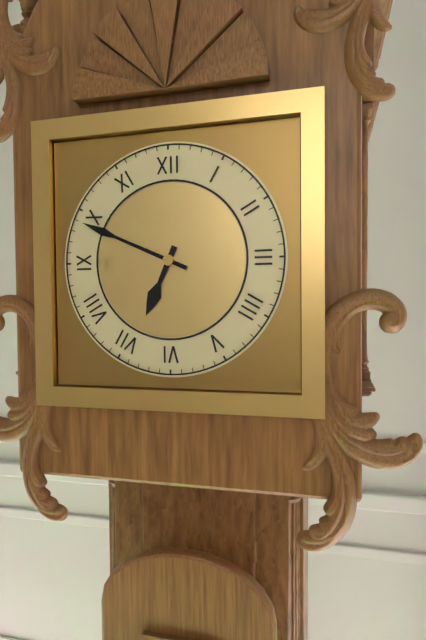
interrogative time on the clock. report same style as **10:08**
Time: **6:49**
